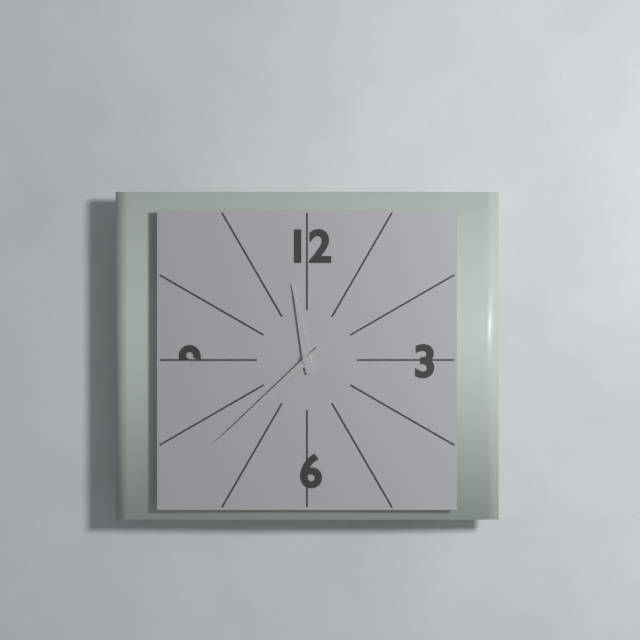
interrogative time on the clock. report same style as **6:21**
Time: **11:38**
